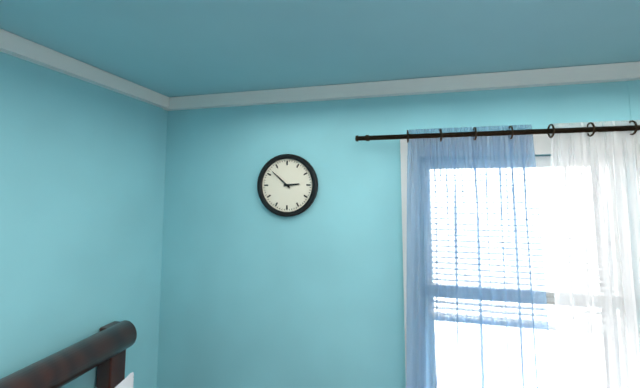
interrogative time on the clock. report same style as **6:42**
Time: **2:52**
